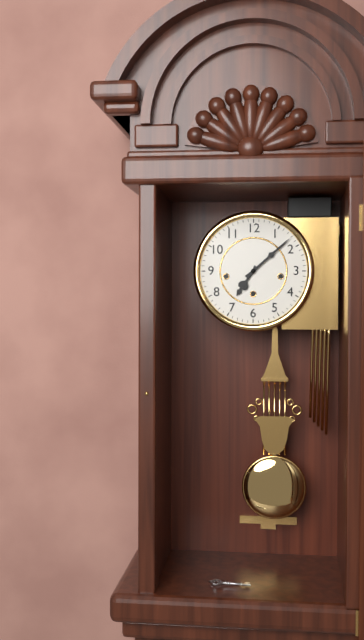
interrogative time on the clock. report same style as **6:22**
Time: **7:08**
